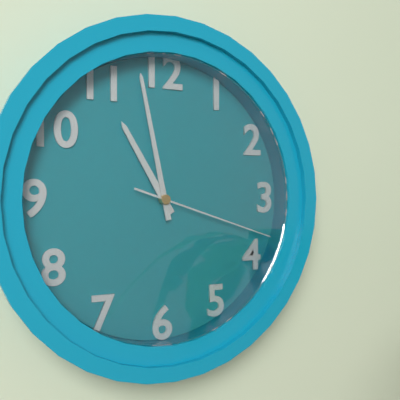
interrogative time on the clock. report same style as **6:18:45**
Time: **10:58:18**
